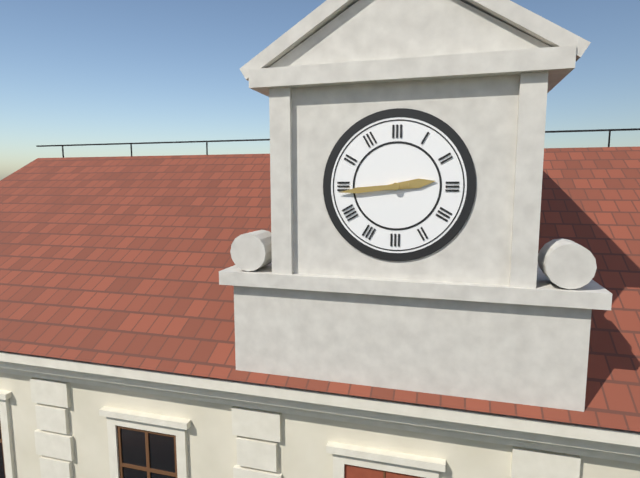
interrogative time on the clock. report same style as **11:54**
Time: **2:44**
